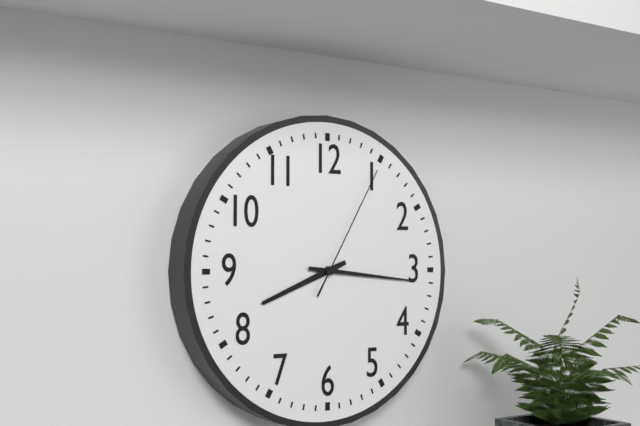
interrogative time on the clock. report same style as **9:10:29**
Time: **8:16:05**
